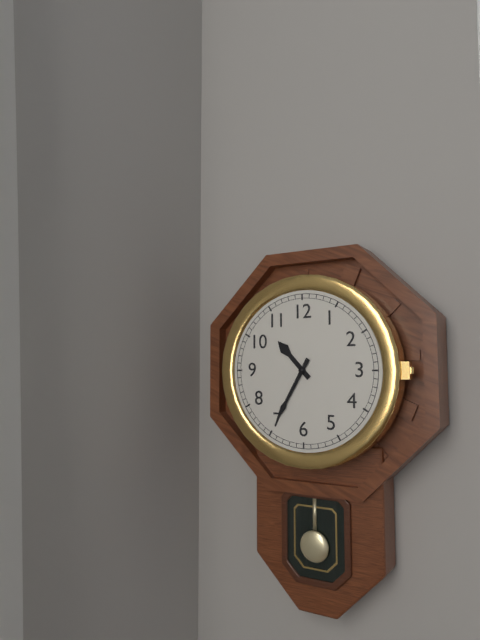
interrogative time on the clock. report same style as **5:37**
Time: **10:35**
